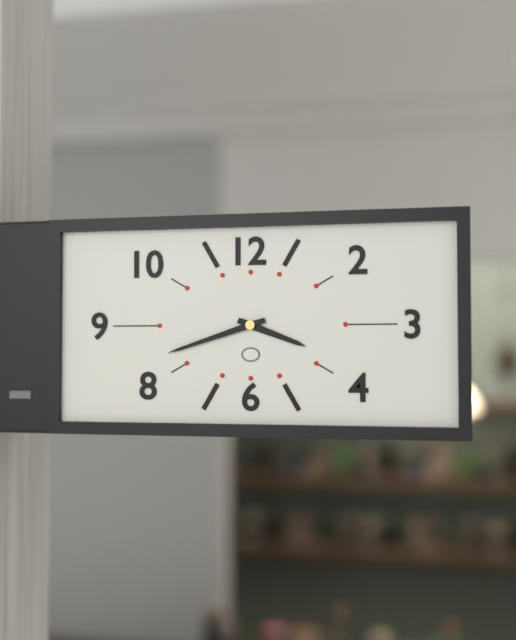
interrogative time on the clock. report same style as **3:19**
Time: **3:42**
